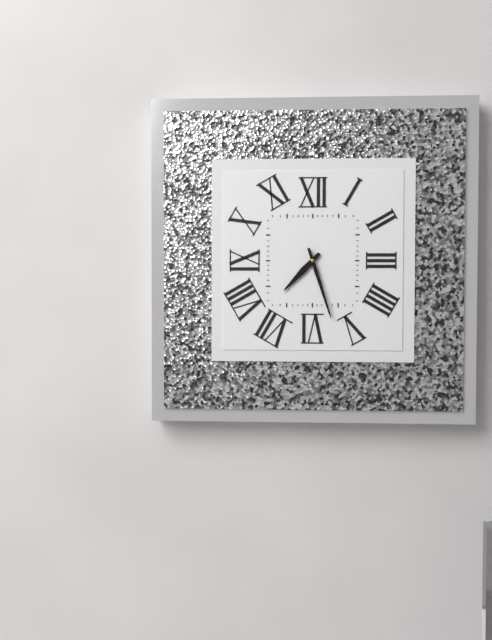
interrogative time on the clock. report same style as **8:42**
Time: **7:27**
